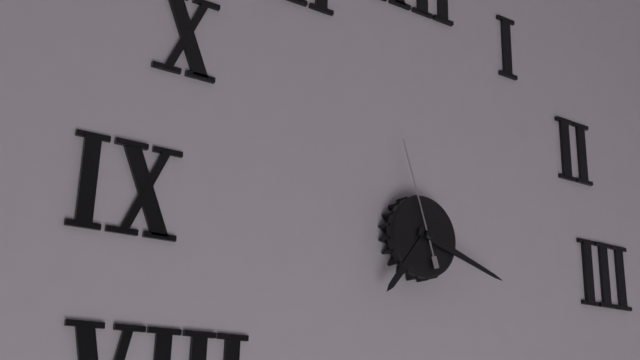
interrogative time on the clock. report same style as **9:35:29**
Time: **7:18:57**
